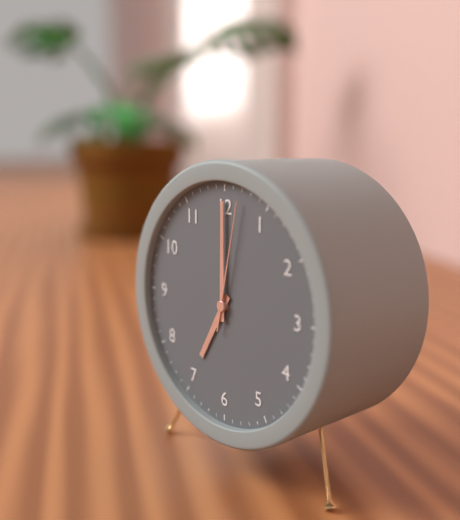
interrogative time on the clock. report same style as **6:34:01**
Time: **7:00:02**
